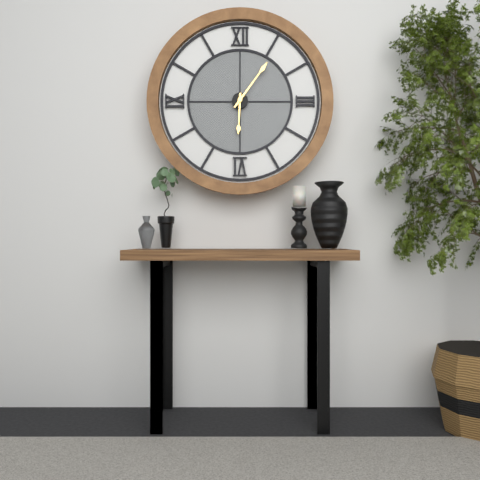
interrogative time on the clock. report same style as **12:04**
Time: **6:06**
